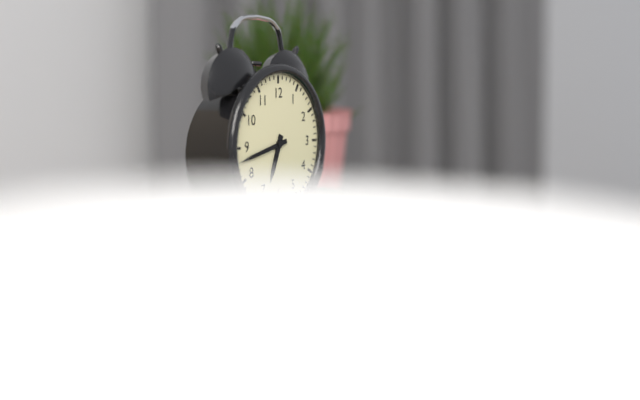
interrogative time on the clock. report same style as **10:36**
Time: **6:43**
